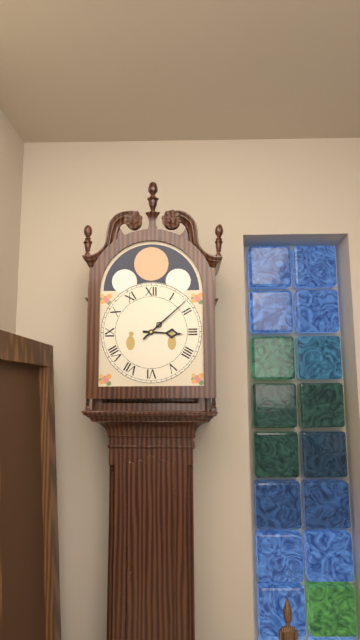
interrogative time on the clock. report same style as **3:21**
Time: **3:08**
